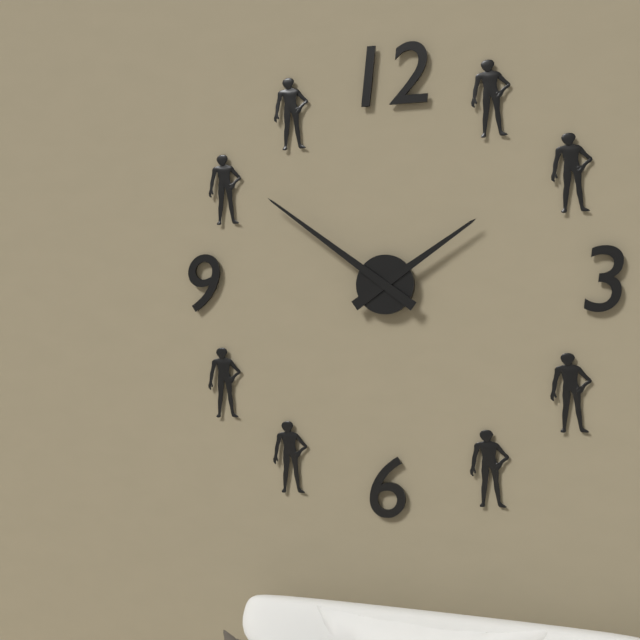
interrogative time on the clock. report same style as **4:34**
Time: **1:51**
